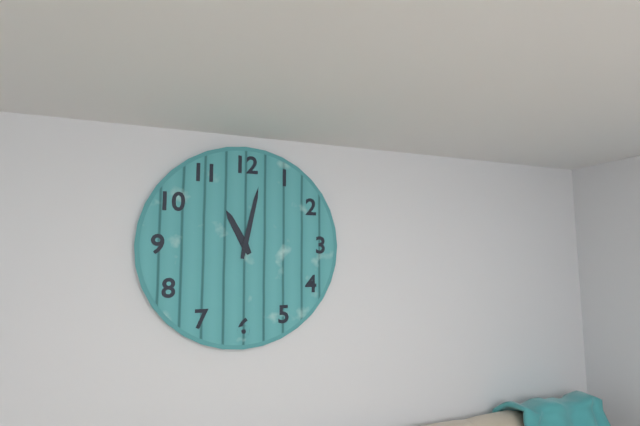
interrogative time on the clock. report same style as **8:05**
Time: **11:02**
